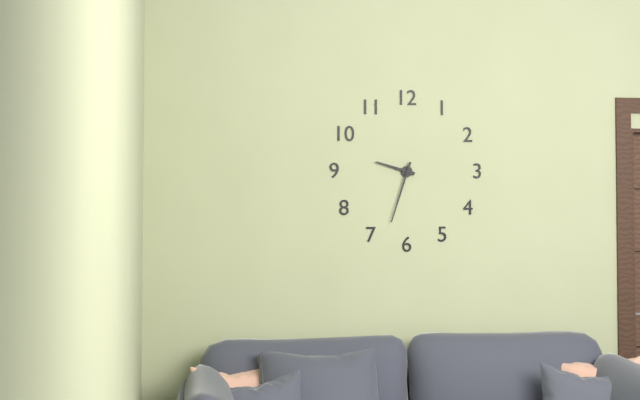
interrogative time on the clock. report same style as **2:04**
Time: **9:33**
